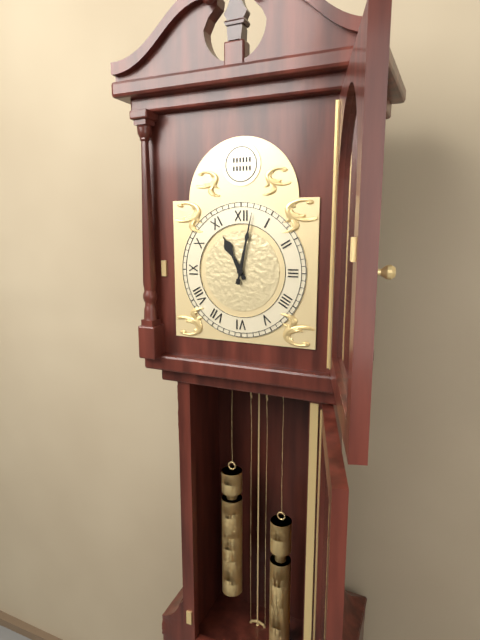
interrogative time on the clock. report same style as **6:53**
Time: **11:02**
